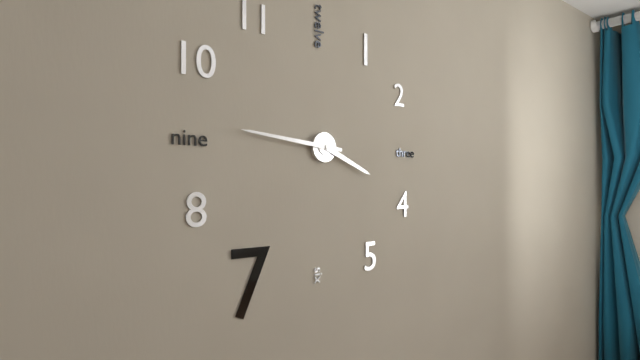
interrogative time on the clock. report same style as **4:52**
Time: **3:46**
